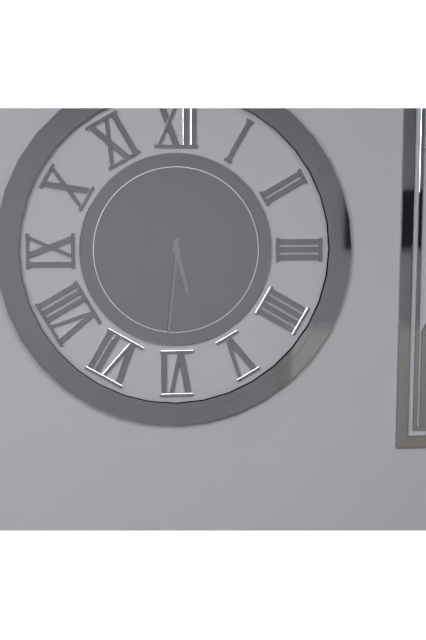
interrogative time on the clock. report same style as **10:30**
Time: **5:31**
